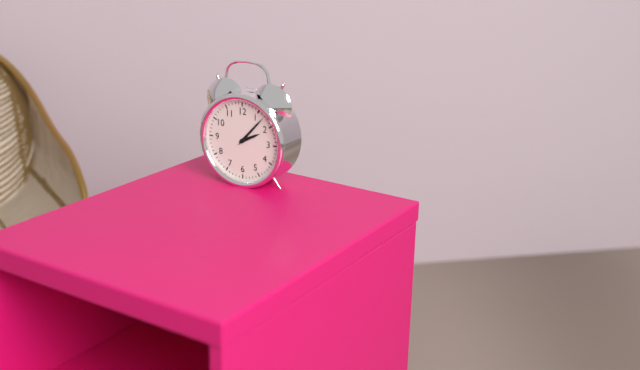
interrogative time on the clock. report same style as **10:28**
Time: **2:07**
